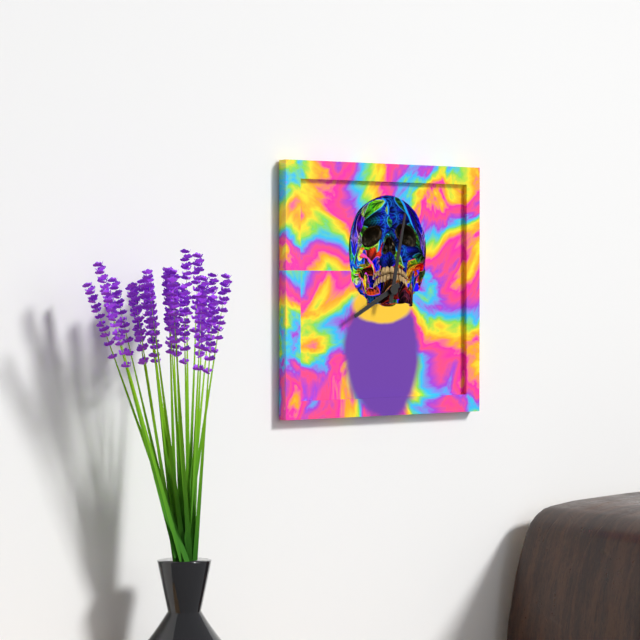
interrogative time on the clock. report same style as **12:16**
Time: **8:02**
